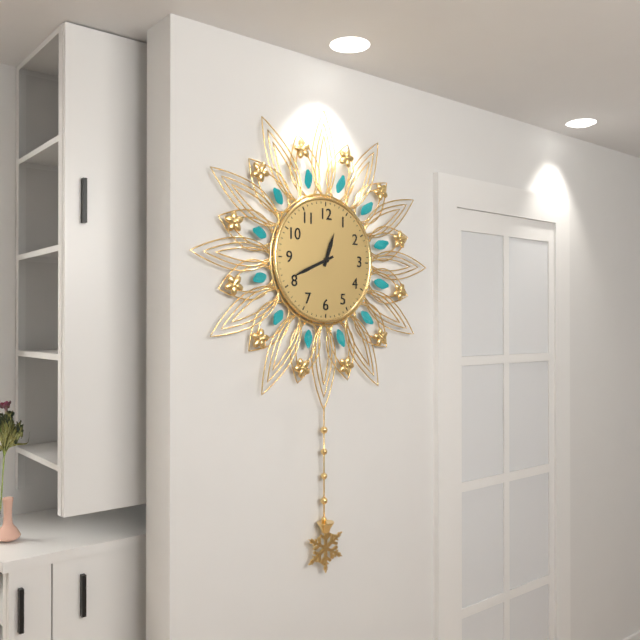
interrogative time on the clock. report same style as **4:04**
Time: **12:41**
